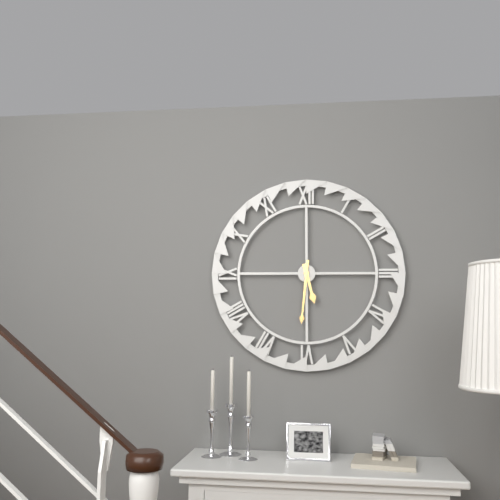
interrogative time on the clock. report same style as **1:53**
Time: **5:31**
